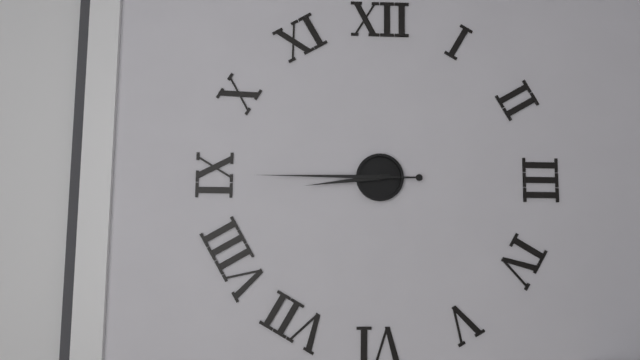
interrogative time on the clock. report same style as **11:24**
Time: **8:45**
